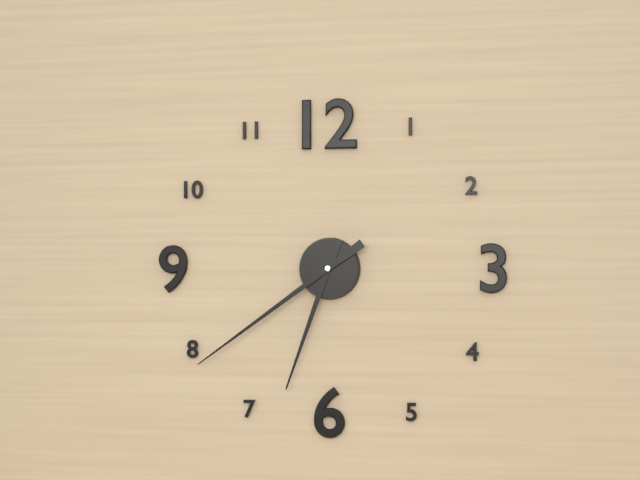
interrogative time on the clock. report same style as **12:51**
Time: **6:39**
